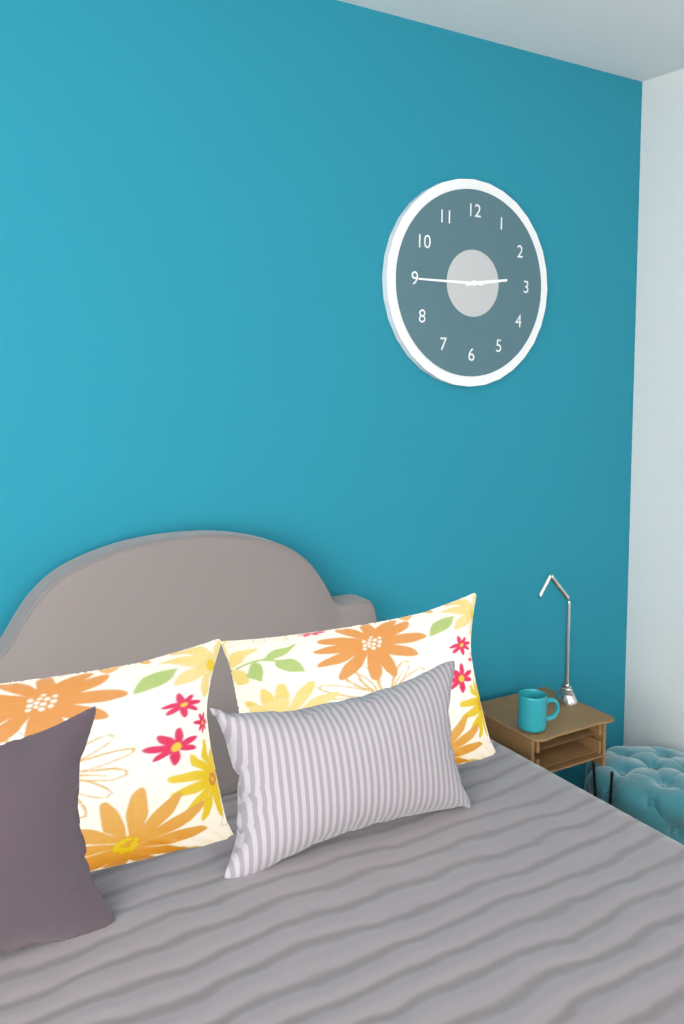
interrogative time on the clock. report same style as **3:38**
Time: **2:45**
